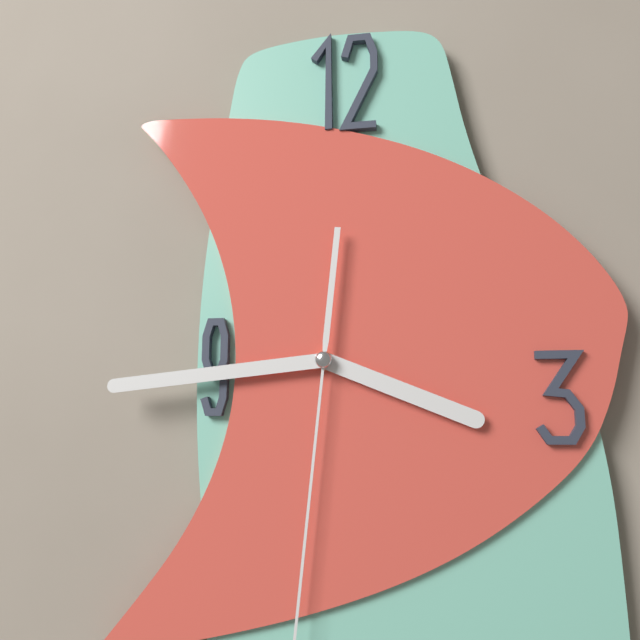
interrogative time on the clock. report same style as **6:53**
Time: **3:44**
